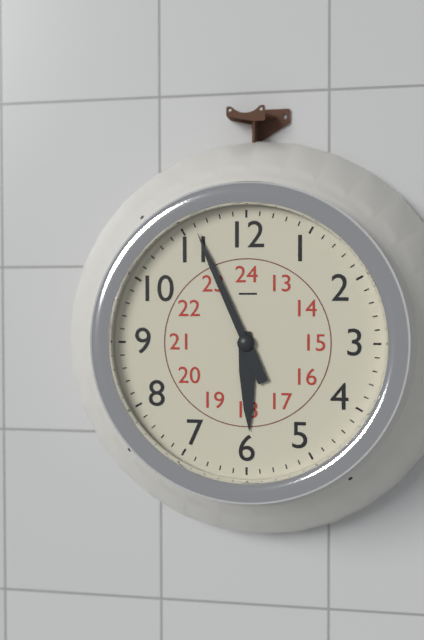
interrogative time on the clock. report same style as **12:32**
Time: **5:56**
